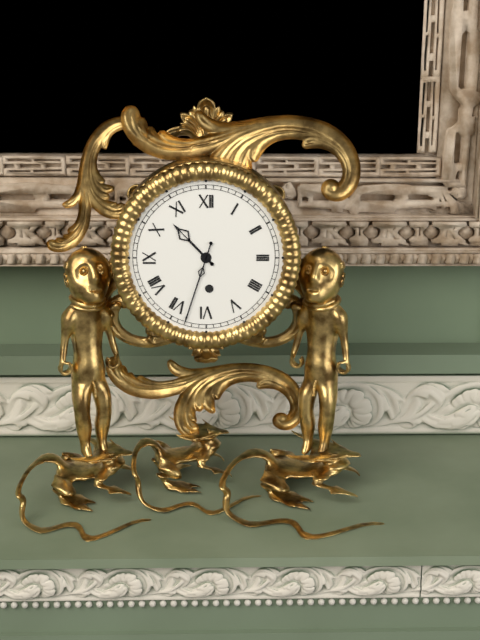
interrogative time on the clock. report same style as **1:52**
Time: **10:33**
